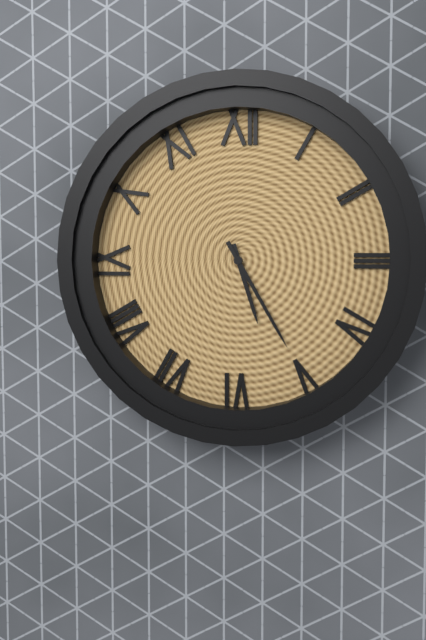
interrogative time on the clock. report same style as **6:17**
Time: **5:25**
